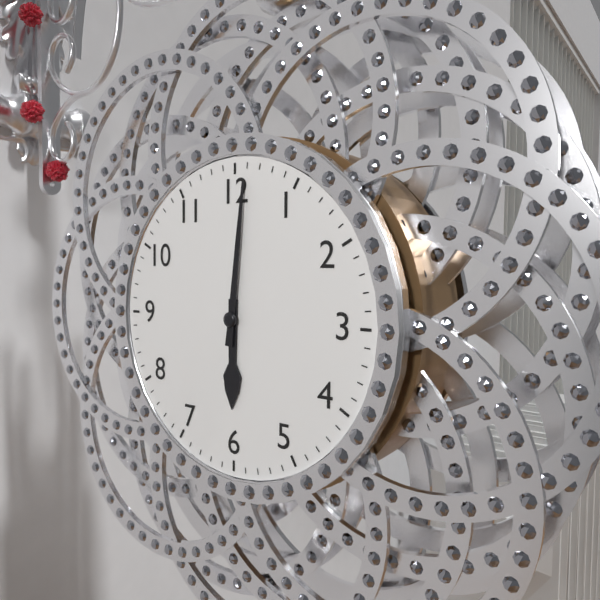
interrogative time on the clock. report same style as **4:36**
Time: **6:01**
